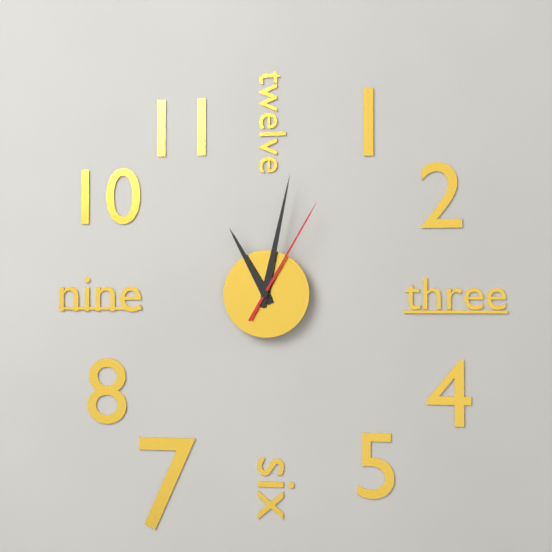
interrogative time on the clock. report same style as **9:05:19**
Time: **11:02:05**
